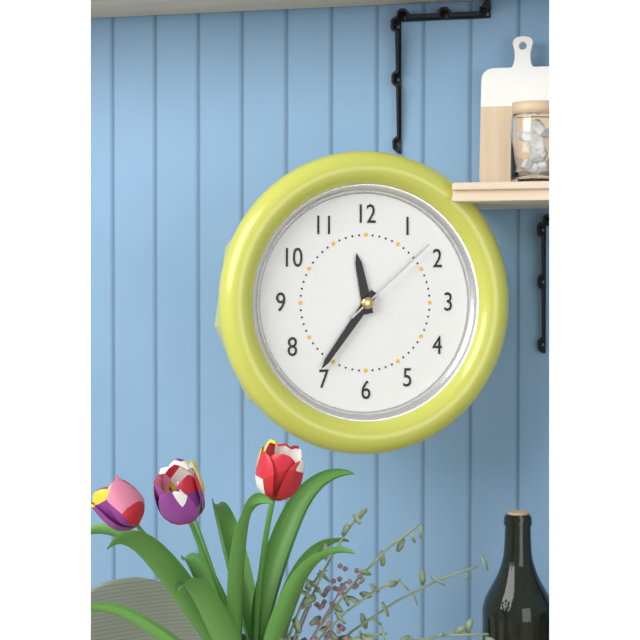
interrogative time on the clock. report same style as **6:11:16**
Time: **11:36:08**
